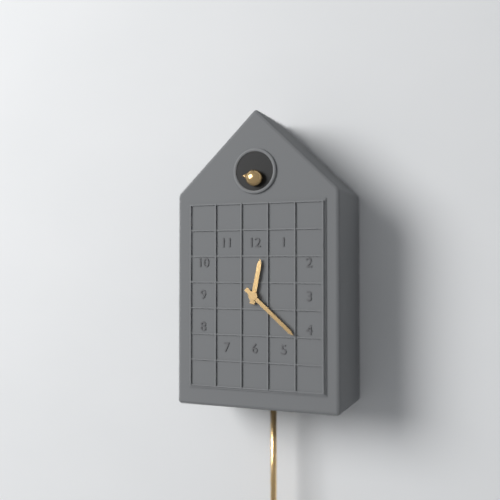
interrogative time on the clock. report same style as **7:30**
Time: **12:22**
